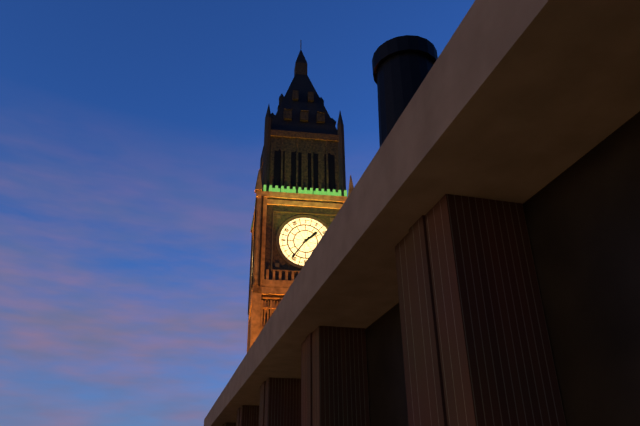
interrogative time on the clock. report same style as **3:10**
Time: **1:36**
